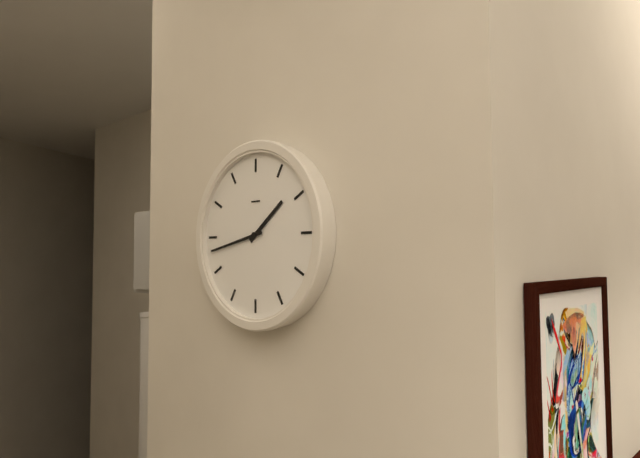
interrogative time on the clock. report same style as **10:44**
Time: **1:43**
